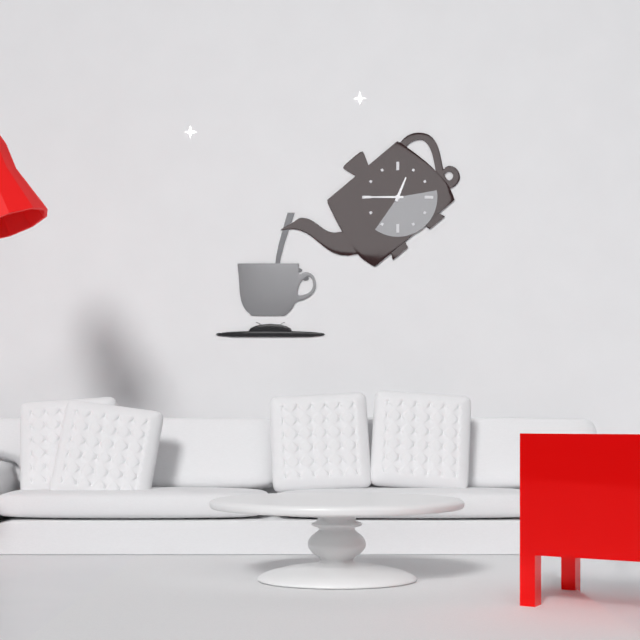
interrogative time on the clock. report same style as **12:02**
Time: **12:45**
